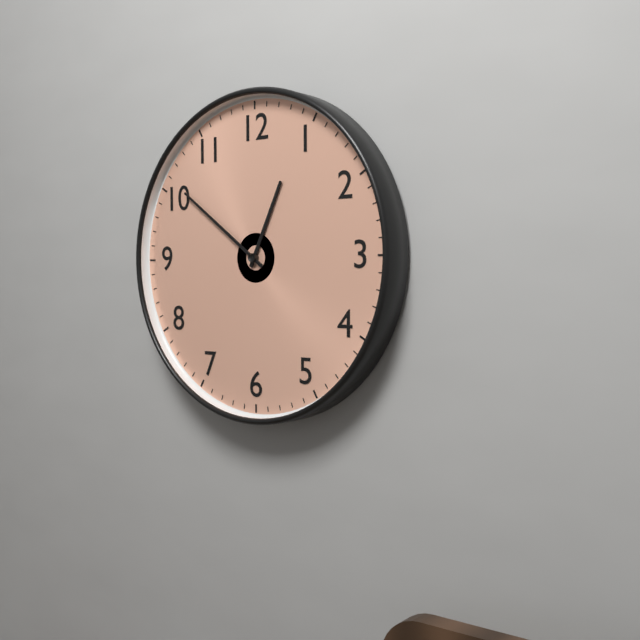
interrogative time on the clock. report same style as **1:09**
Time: **12:51**
